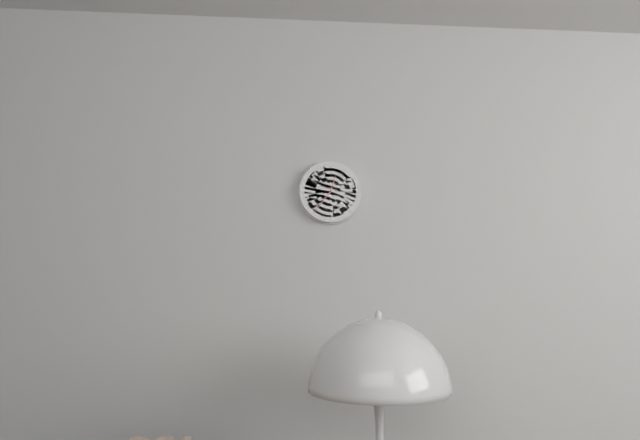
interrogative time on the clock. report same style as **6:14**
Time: **12:36**
